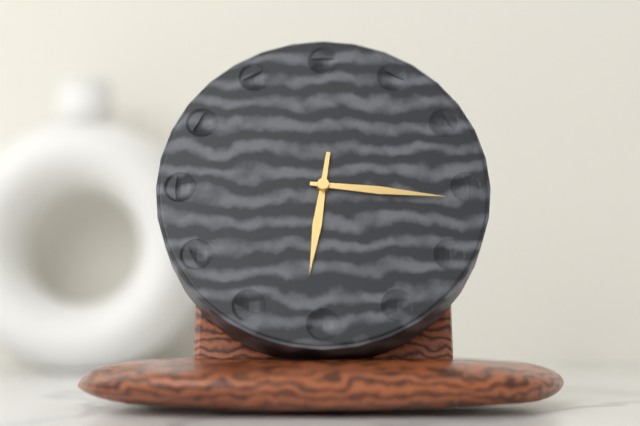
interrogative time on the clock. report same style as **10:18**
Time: **6:16**
